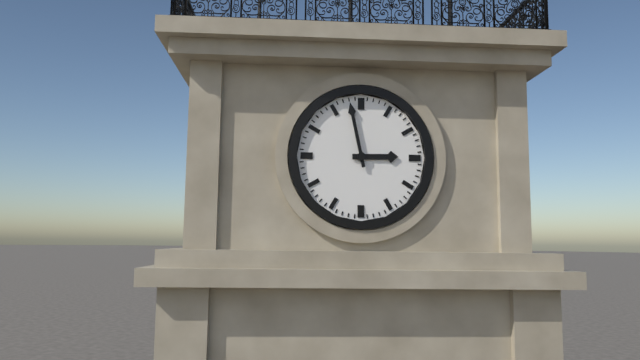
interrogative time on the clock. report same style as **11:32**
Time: **2:58**
